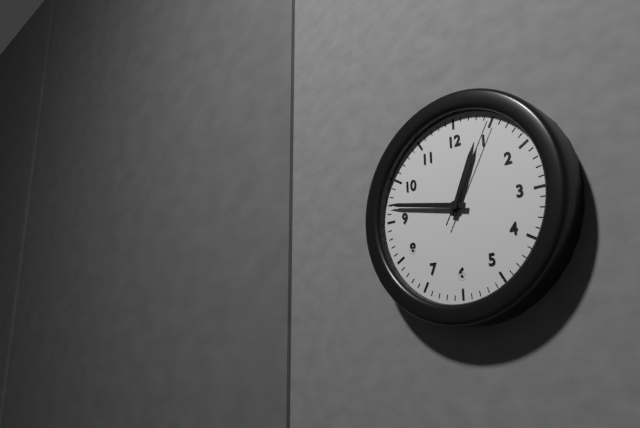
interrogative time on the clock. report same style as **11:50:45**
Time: **12:47:05**
